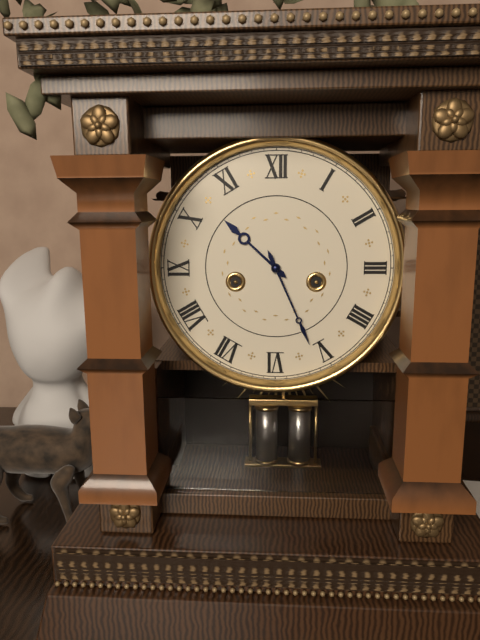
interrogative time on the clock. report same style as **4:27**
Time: **10:26**
